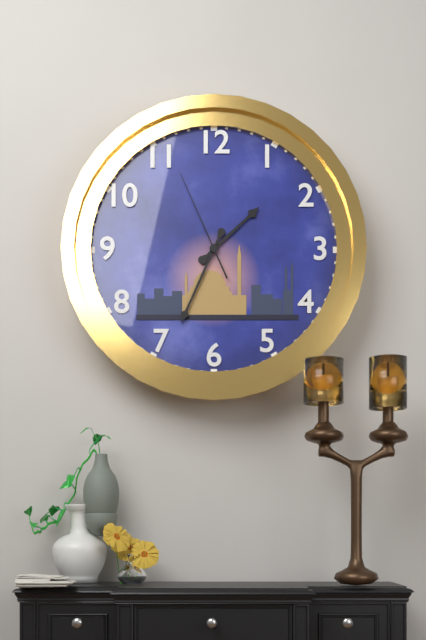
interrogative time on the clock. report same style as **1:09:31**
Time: **1:34:56**
